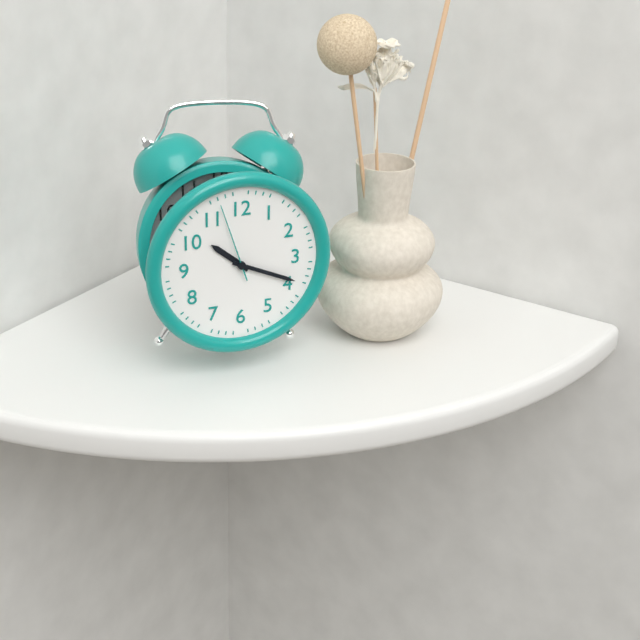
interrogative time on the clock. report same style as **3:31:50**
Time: **10:19:57**
